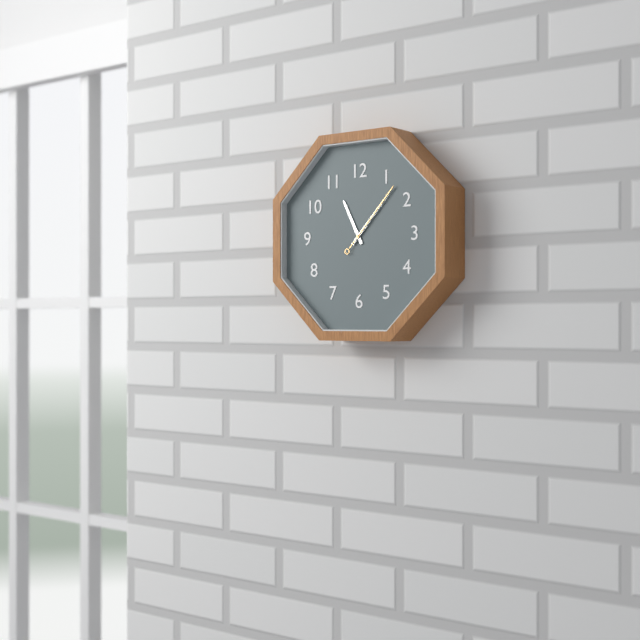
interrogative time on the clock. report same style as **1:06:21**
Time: **11:07:07**
